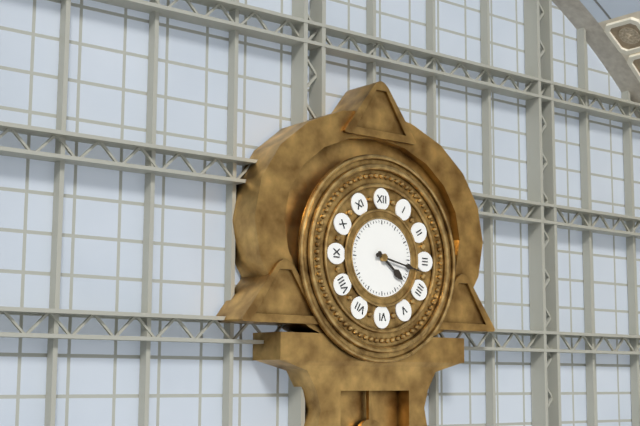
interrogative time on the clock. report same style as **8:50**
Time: **4:17**
